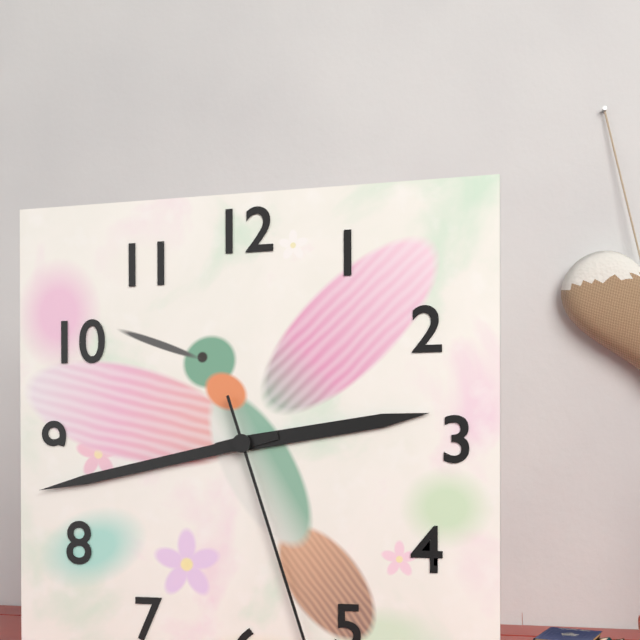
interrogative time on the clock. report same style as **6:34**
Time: **2:43**
